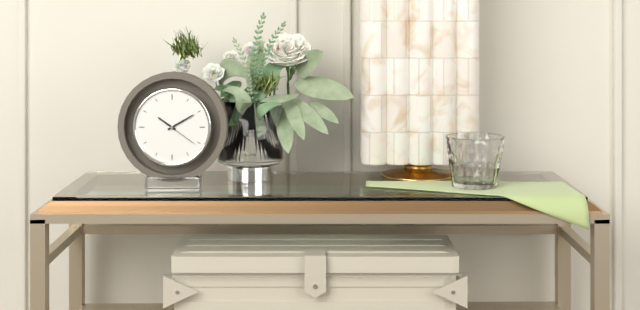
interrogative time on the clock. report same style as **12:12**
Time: **10:10**
